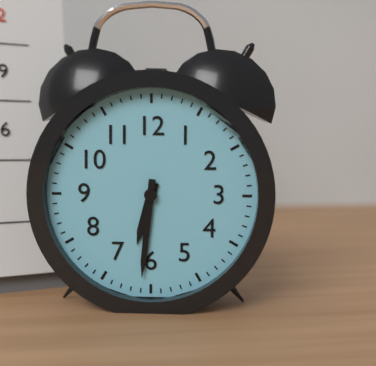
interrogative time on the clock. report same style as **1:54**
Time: **6:31**
